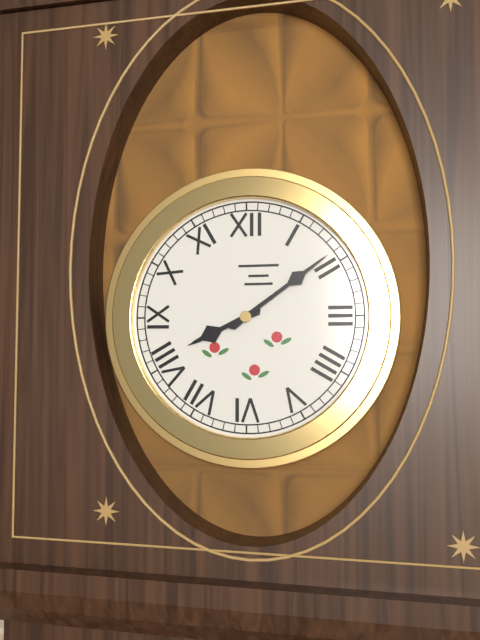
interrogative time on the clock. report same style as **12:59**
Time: **8:09**
